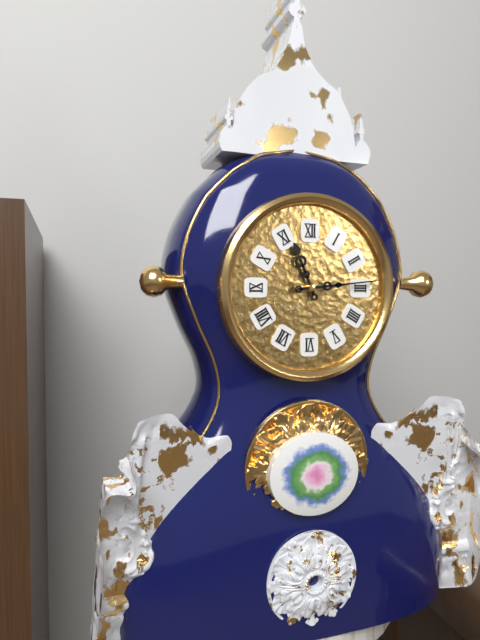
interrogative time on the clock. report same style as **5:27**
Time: **11:14**
